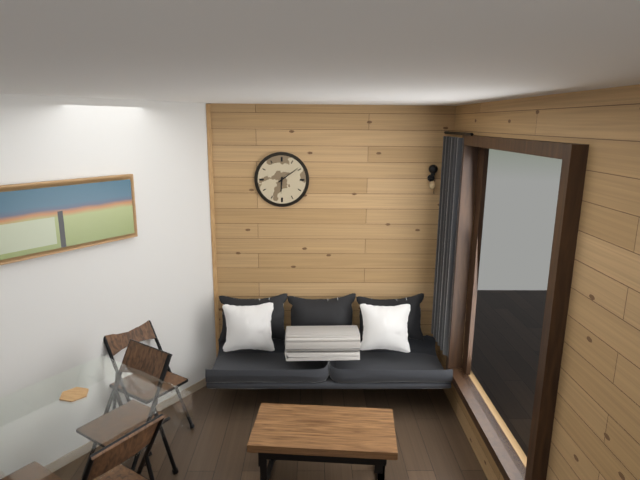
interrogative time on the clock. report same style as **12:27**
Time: **6:09**
